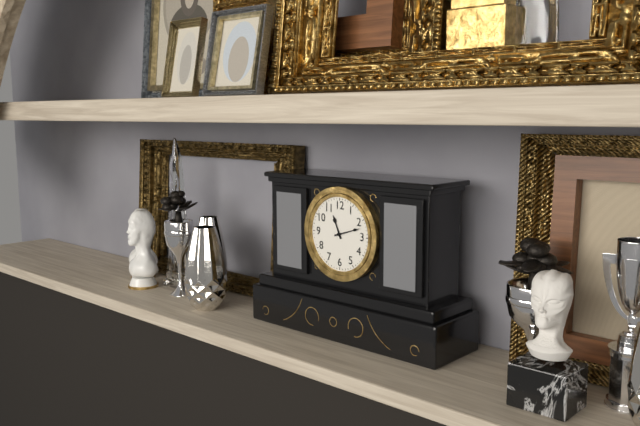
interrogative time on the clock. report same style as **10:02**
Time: **11:12**
